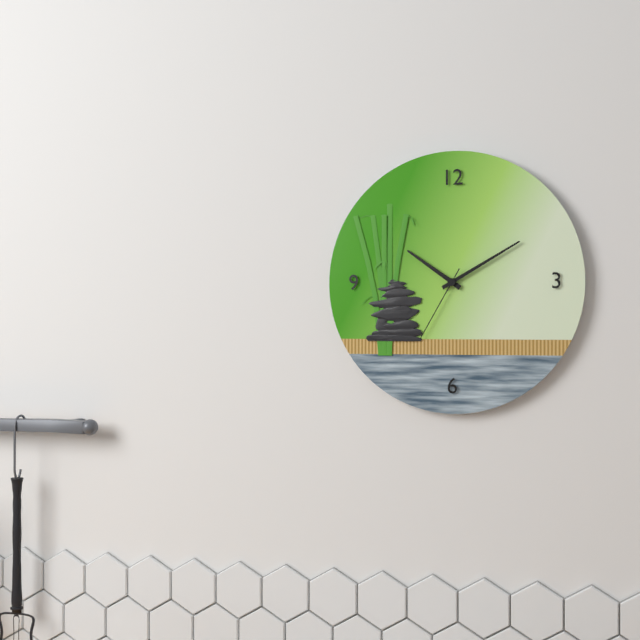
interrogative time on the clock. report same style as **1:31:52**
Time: **10:10:35**
